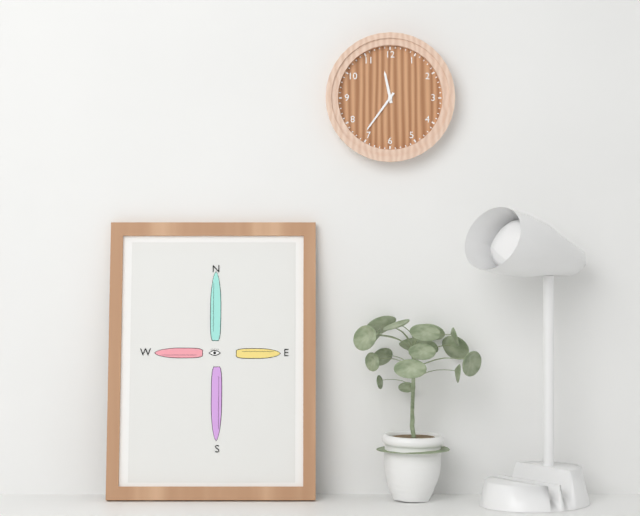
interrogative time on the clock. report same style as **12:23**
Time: **11:36**
